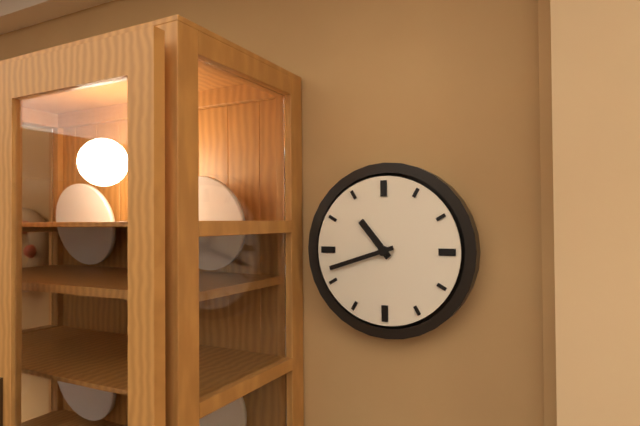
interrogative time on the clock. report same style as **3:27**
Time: **10:42**
